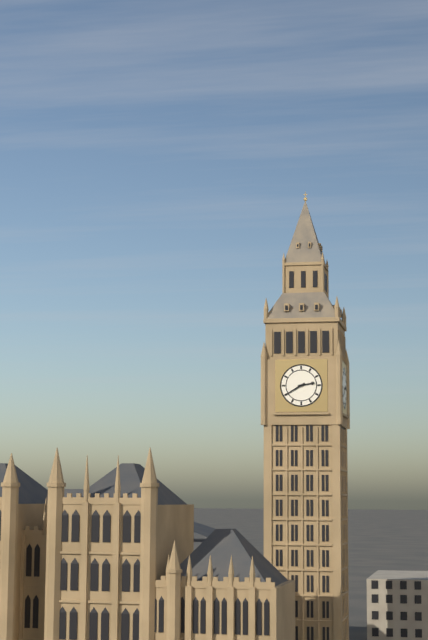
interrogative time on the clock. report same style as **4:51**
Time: **2:40**
